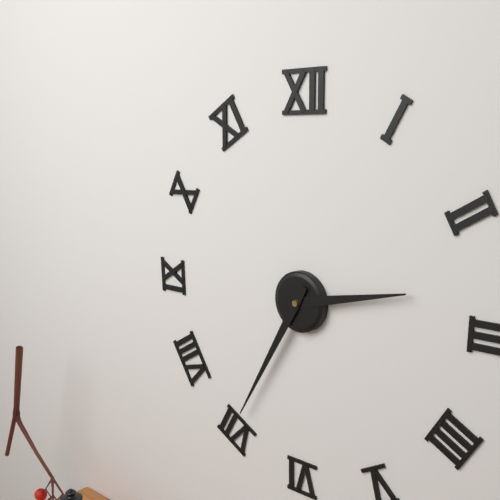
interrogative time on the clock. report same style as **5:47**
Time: **2:35**
